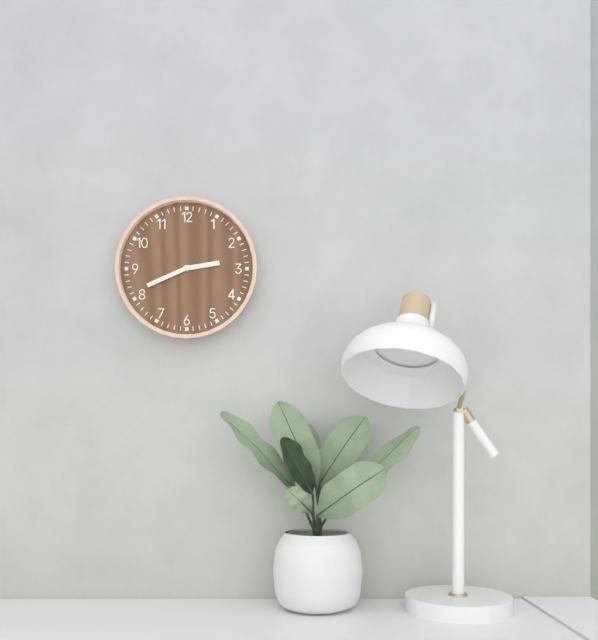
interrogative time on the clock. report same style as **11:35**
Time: **2:41**
